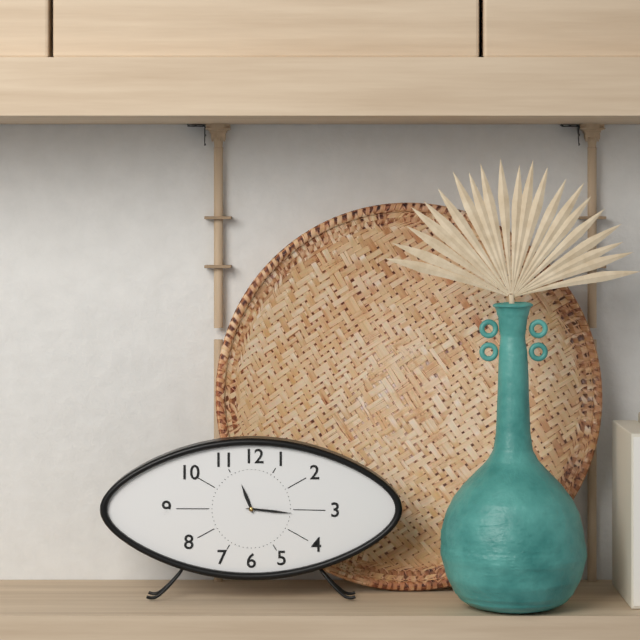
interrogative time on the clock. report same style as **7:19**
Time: **11:16**
